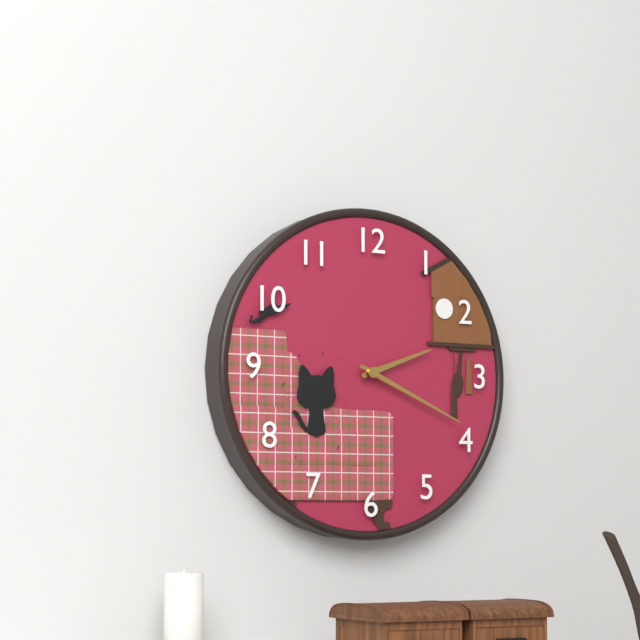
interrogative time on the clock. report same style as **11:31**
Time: **2:19**
